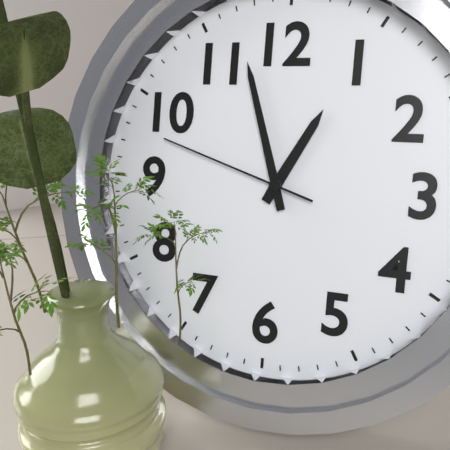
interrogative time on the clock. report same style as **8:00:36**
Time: **12:57:48**
